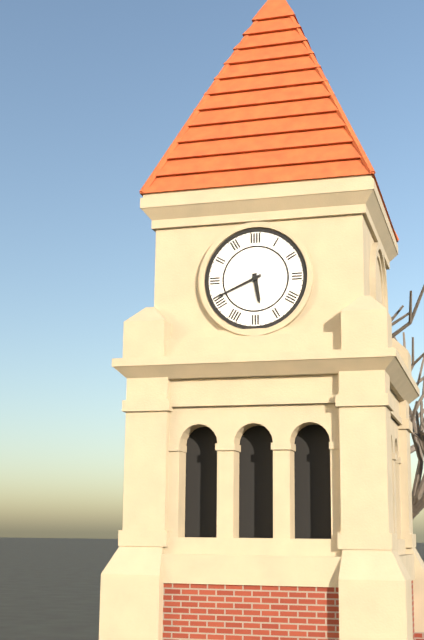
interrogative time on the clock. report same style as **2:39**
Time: **5:41**
